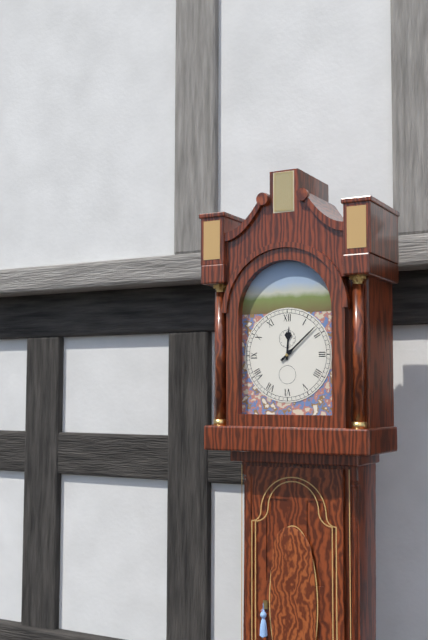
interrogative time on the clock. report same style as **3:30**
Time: **12:08**
